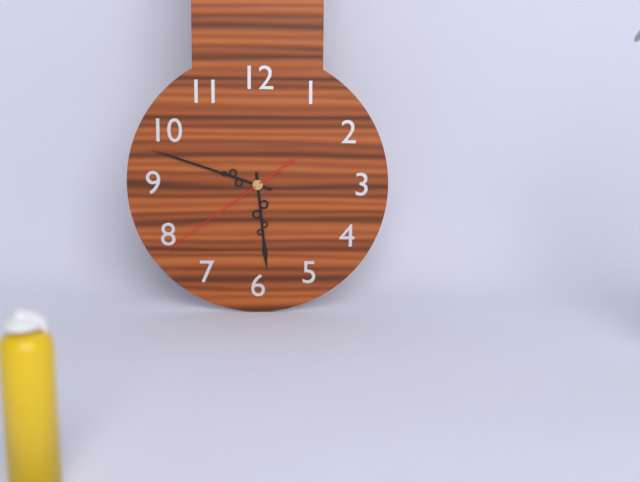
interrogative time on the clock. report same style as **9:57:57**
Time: **5:48:39**
